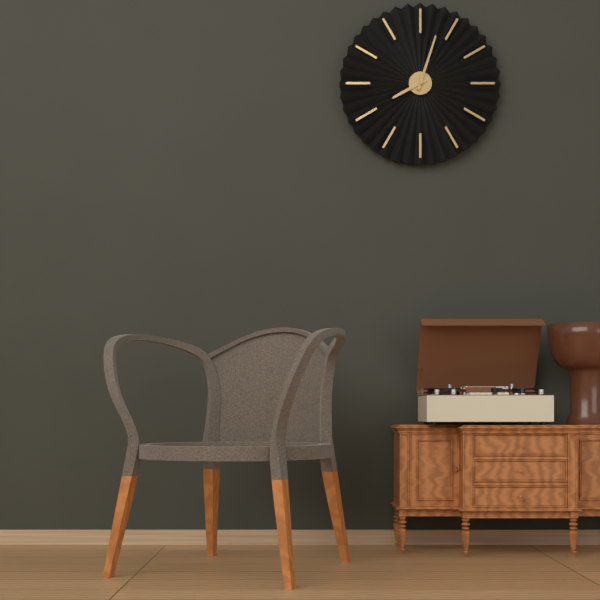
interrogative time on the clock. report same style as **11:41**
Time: **8:03**
